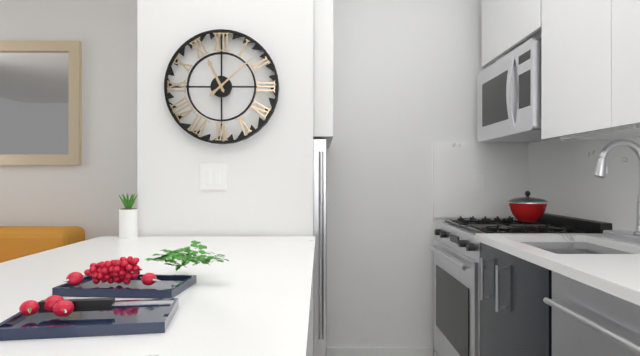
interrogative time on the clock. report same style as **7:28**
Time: **11:08**
